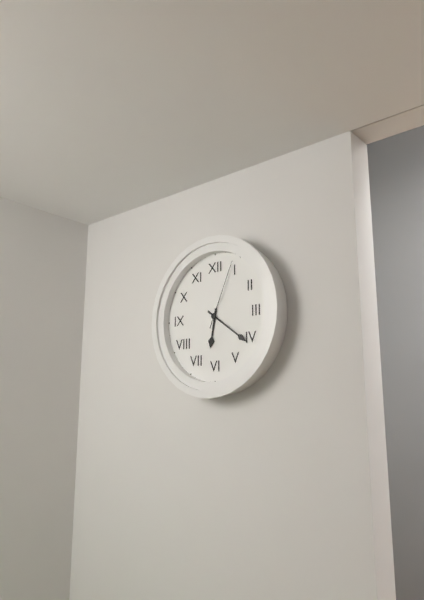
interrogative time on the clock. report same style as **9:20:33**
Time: **6:21:04**
